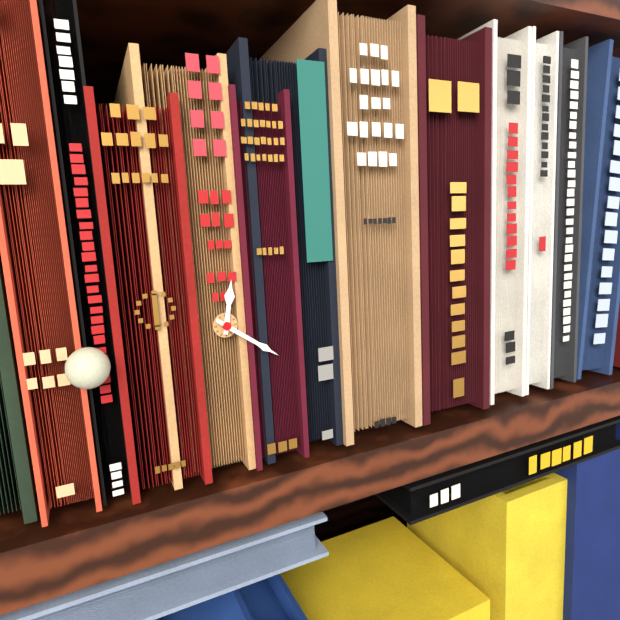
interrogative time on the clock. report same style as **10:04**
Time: **12:21**
